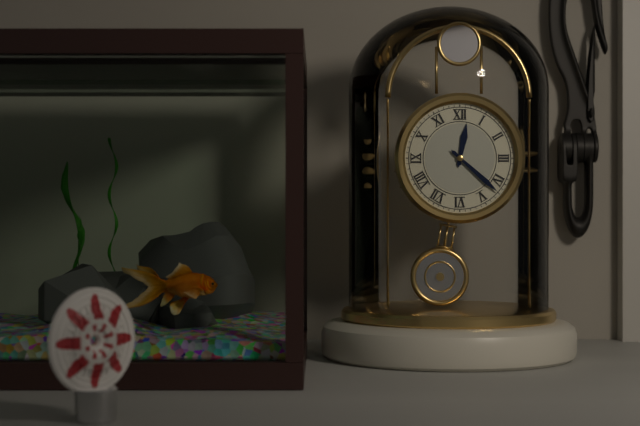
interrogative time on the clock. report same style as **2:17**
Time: **12:22**
